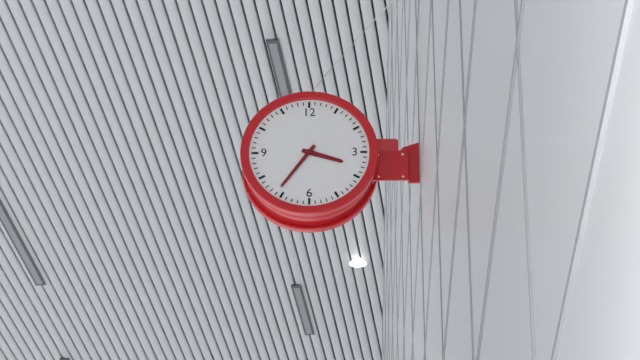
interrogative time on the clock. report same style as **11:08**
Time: **3:36**
